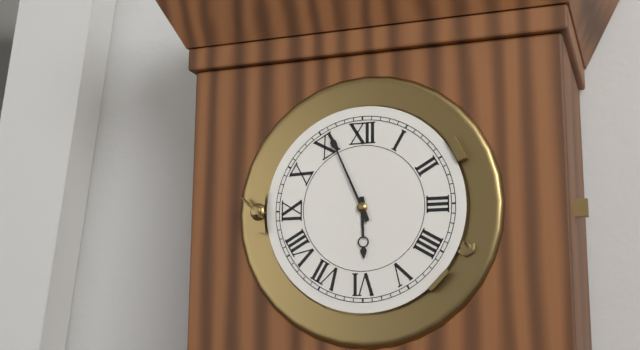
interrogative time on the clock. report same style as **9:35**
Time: **5:56**
